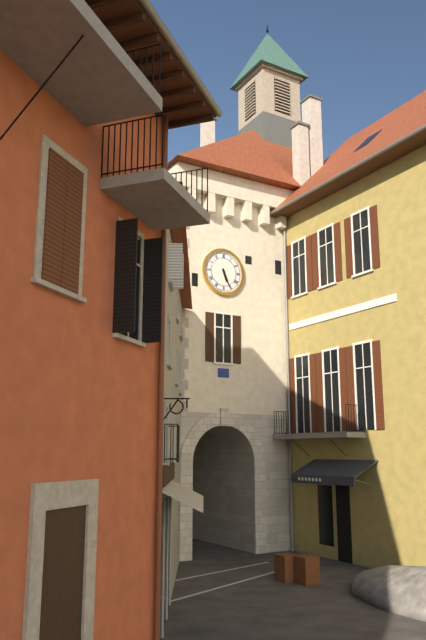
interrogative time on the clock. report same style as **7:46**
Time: **5:26**
